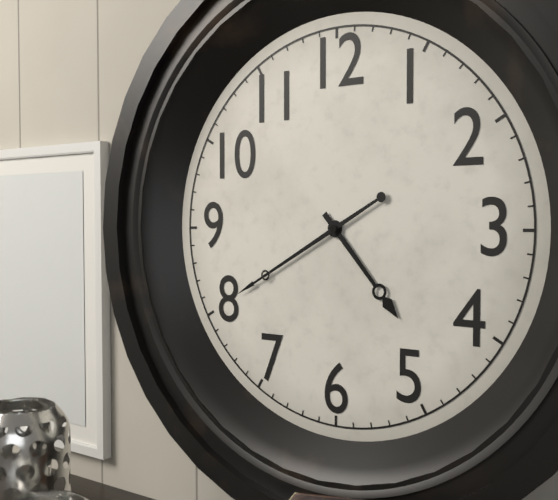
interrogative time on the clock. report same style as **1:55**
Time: **4:40**
